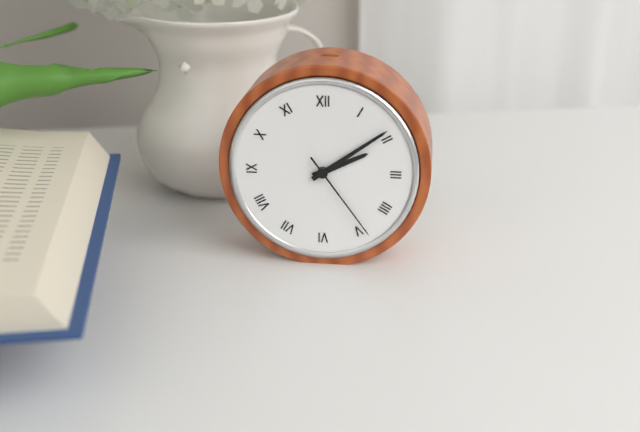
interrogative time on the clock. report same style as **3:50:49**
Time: **2:09:24**
